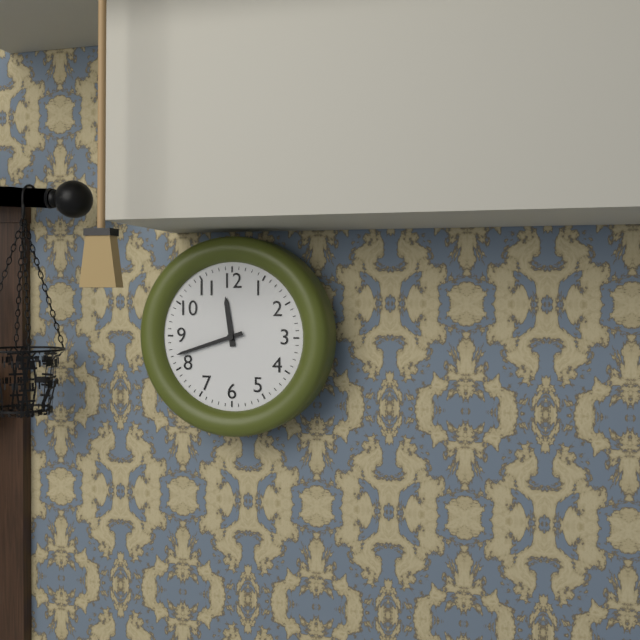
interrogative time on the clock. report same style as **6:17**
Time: **11:42**
